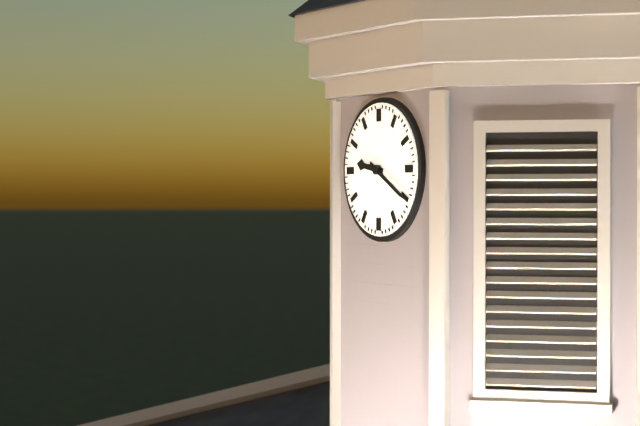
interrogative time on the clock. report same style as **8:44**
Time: **9:20**
